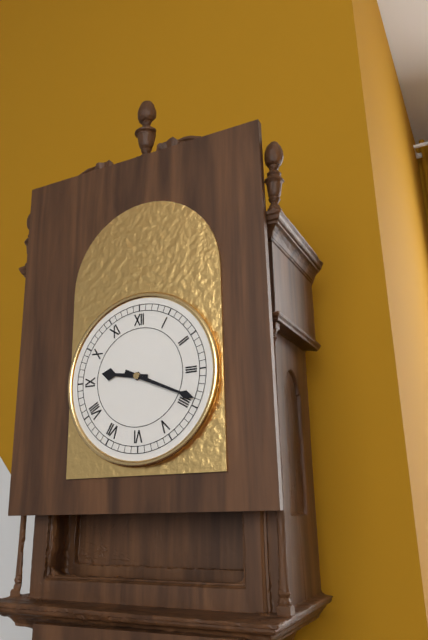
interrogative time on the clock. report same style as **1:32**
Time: **9:19**
